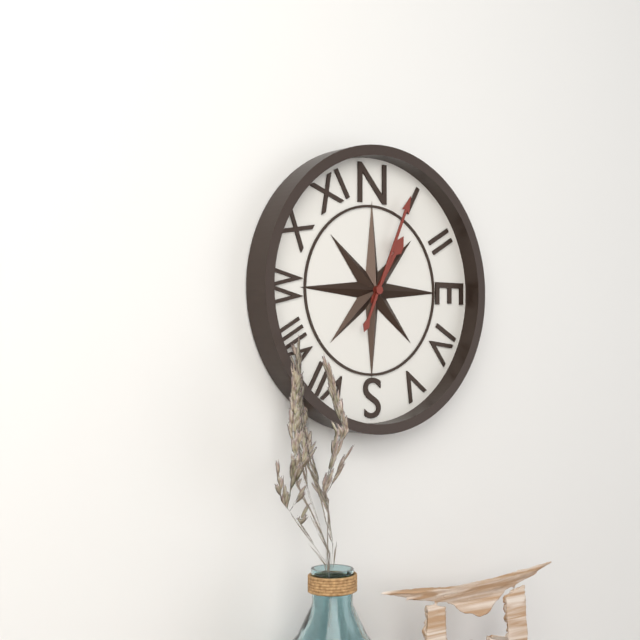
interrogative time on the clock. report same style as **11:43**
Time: **1:04**
